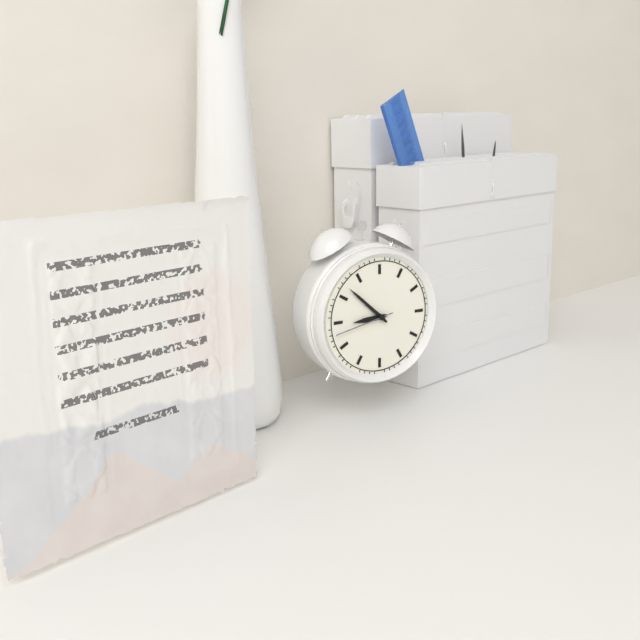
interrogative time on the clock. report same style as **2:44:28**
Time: **8:52:43**
